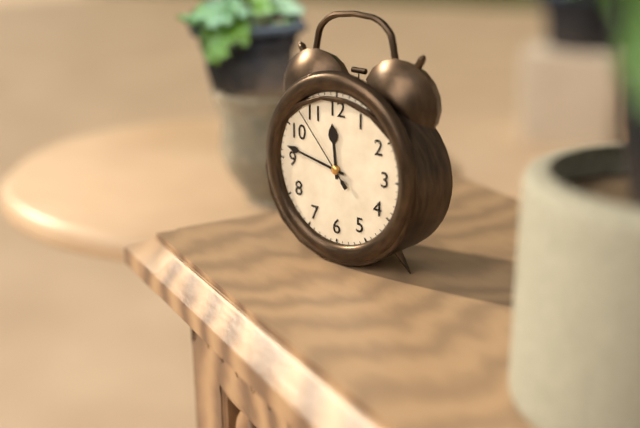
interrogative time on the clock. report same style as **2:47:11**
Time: **11:47:53**
